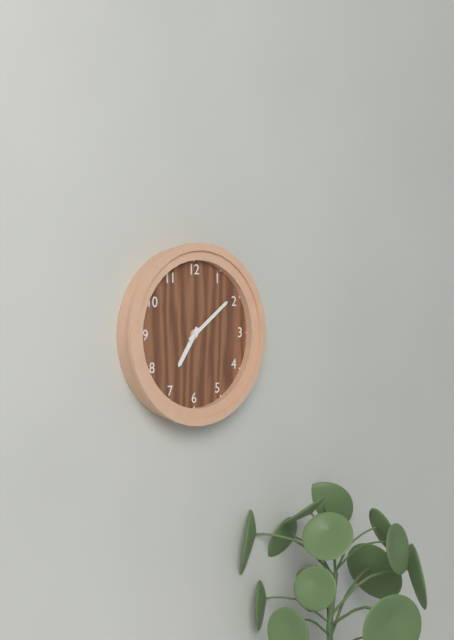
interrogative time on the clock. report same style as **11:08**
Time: **7:09**
